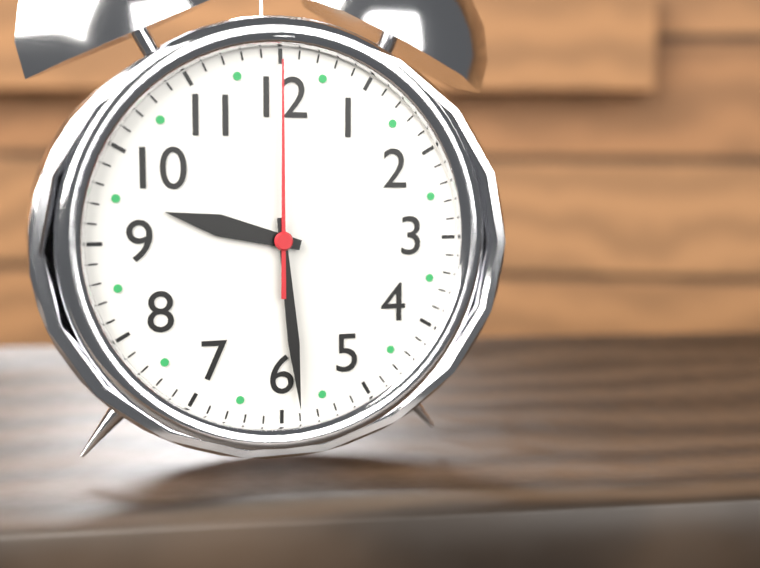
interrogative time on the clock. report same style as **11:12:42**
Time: **9:29:00**
